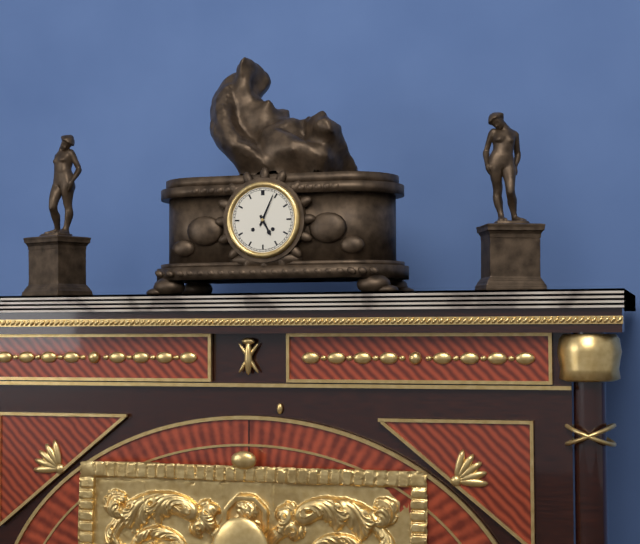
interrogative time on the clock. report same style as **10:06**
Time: **5:04**
